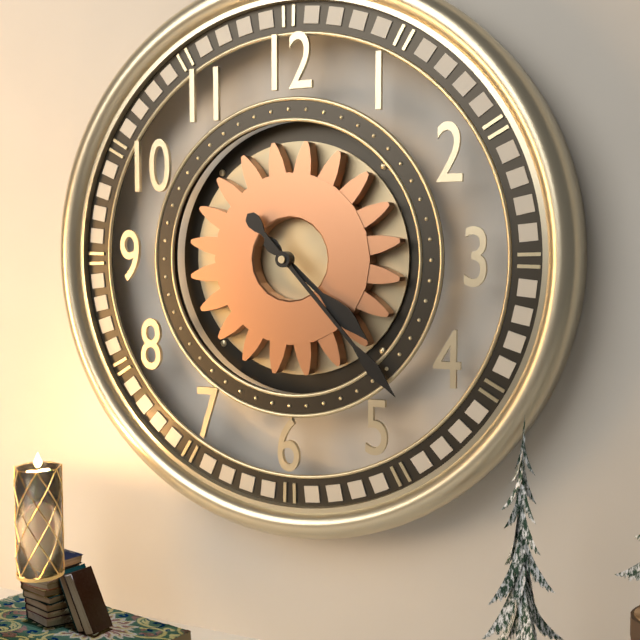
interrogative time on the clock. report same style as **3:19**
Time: **4:23**
